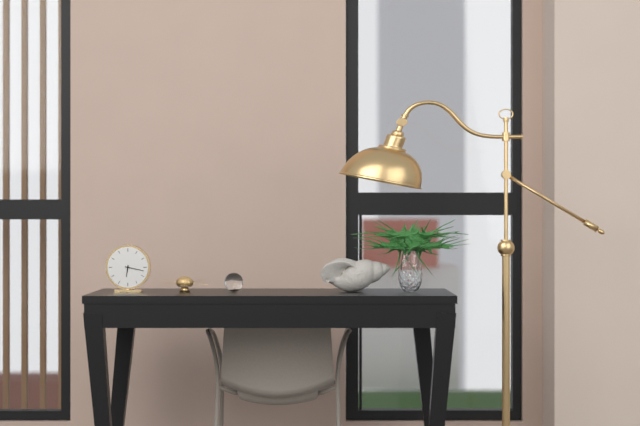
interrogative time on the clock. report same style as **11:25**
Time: **6:17**
